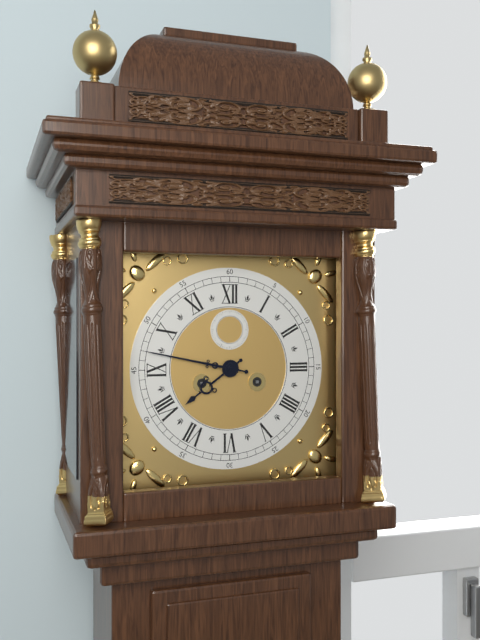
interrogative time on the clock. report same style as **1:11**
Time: **7:47**
